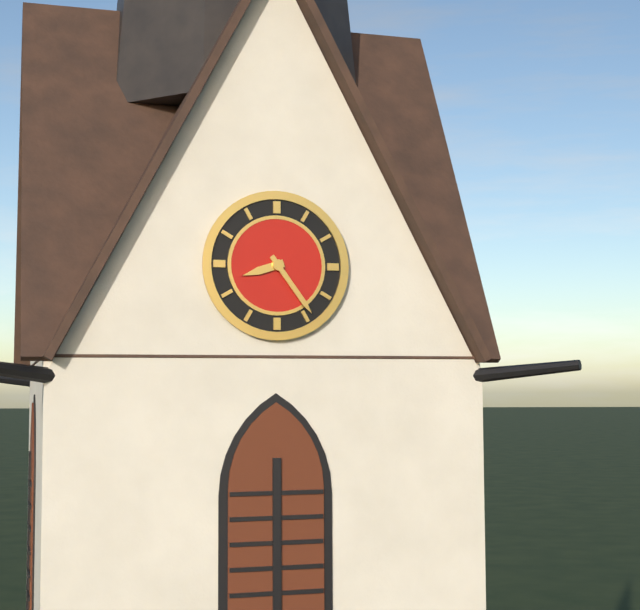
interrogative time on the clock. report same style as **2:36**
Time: **8:24**
